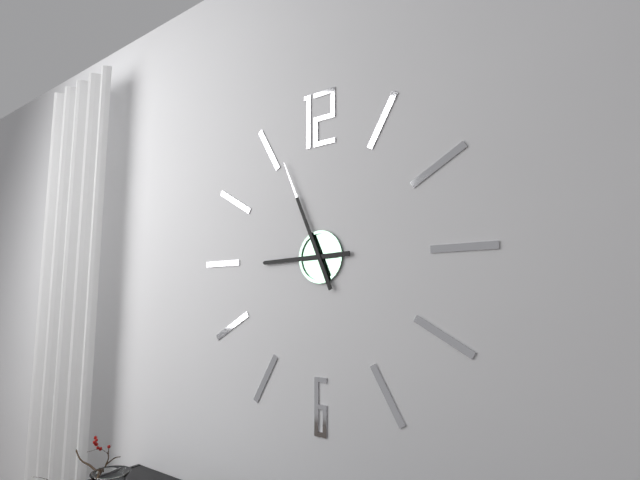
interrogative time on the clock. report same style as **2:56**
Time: **8:56**
